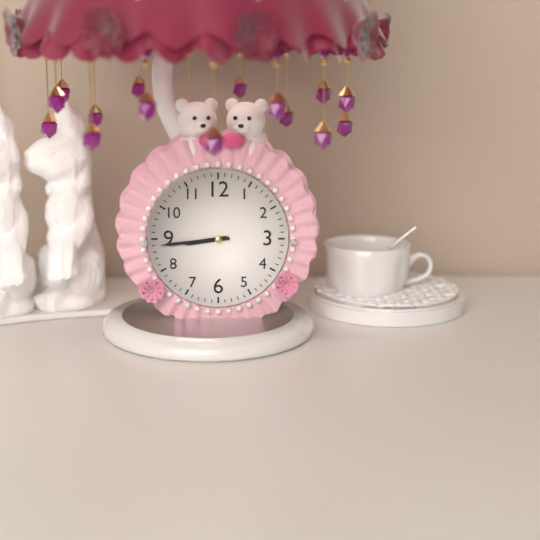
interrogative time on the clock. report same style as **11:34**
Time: **8:44**
